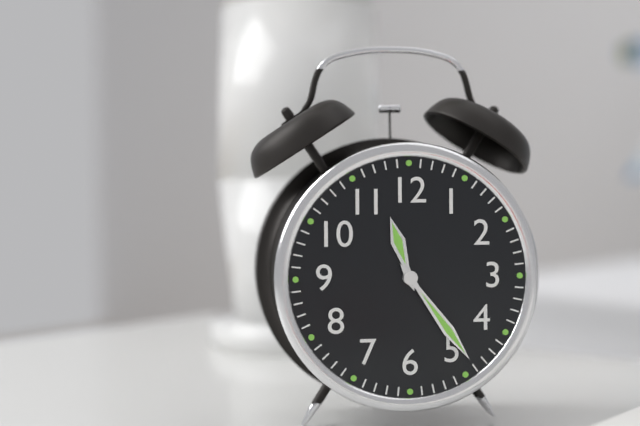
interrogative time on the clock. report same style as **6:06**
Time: **11:24**
